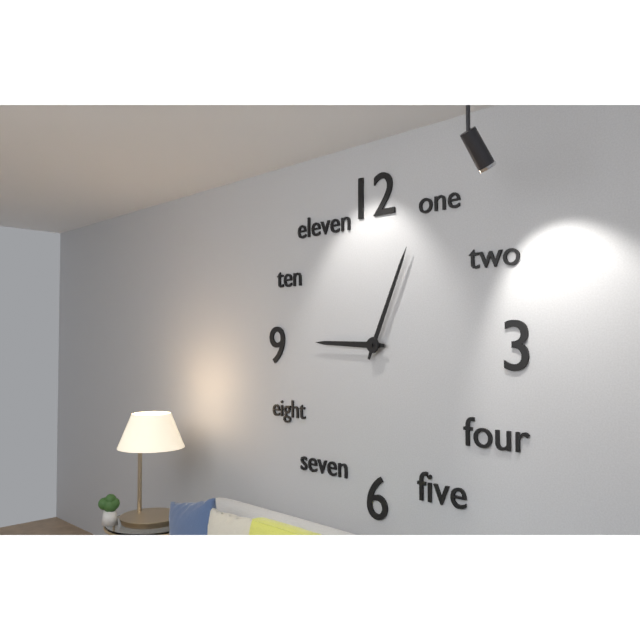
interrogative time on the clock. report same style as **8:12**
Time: **9:04**
